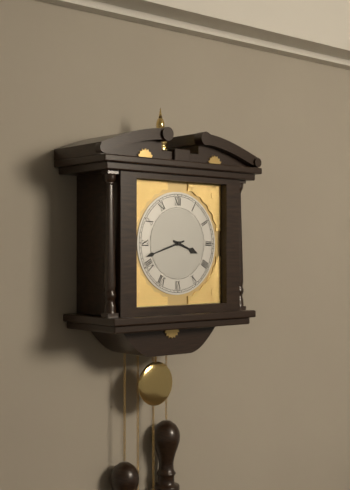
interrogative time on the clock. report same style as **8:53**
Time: **3:42**
